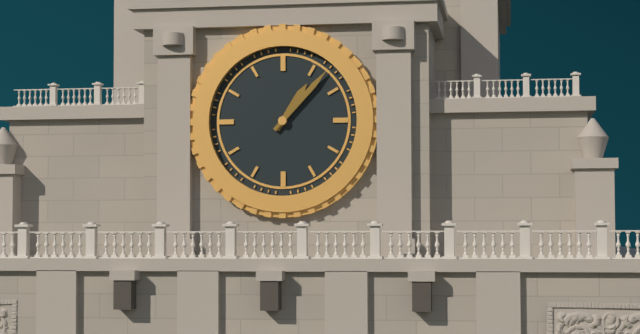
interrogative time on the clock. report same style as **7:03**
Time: **1:07**
